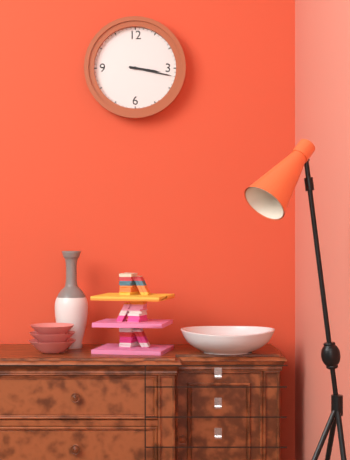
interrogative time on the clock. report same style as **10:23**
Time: **3:17**
